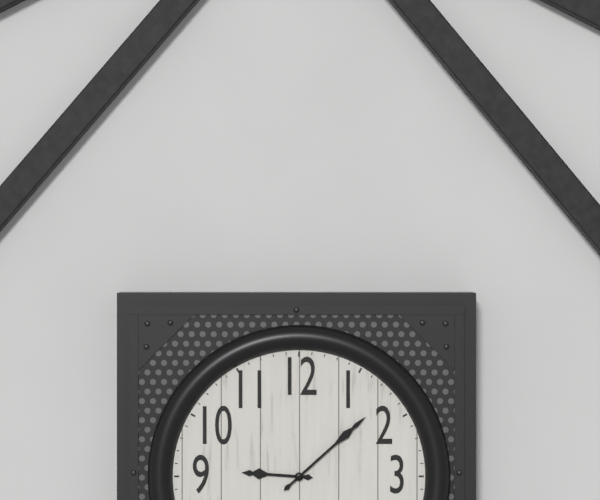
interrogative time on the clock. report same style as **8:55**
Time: **9:08**
